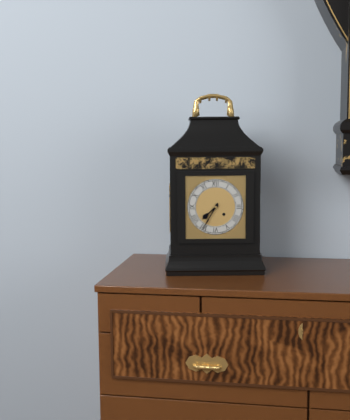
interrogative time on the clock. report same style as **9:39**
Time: **7:35**
